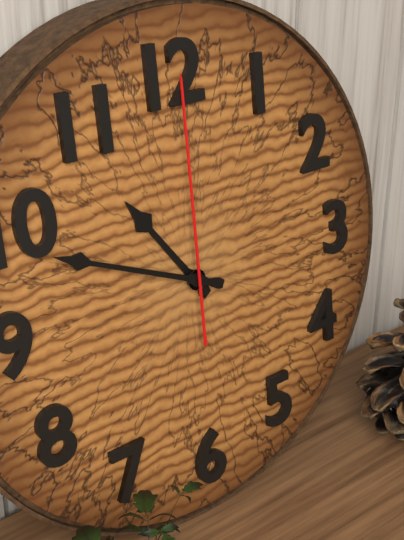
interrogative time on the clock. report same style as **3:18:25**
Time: **10:49:00**
